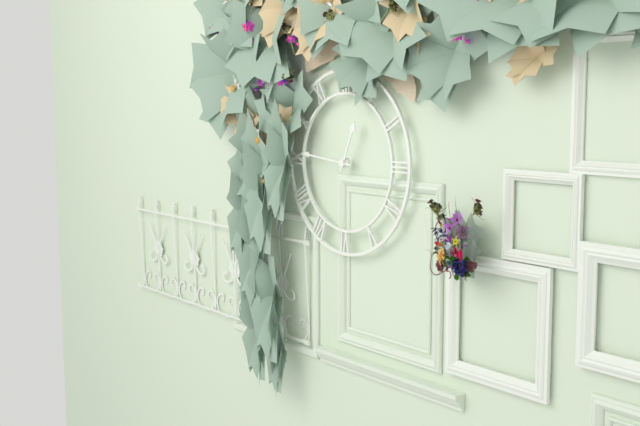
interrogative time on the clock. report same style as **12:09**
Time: **12:46**
